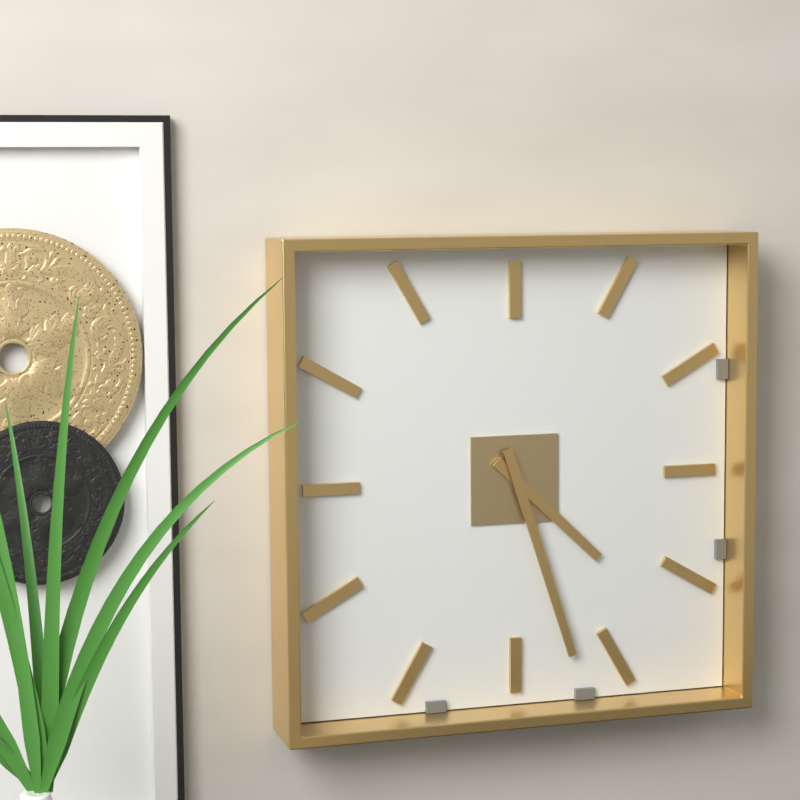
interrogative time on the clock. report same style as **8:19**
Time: **4:27**
